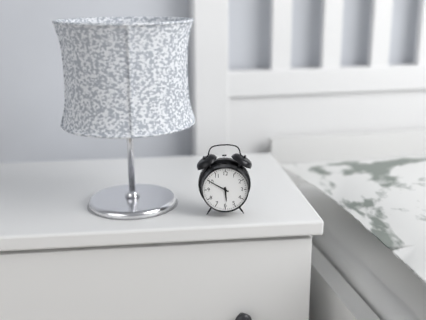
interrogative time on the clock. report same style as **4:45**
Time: **5:50**
